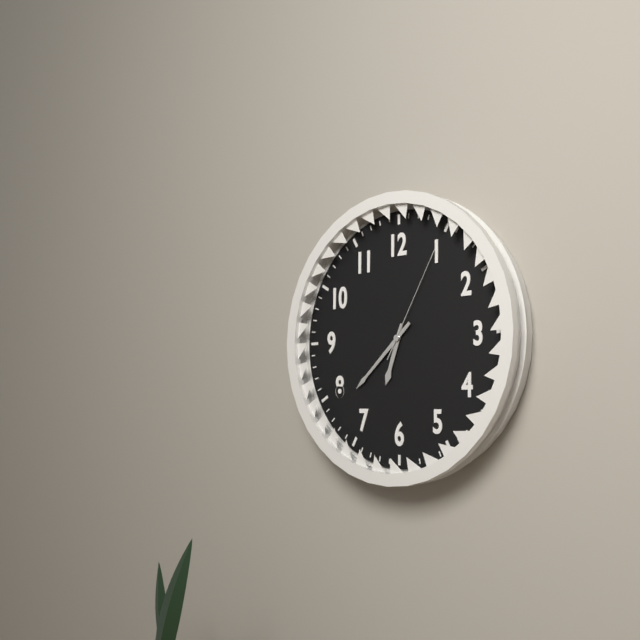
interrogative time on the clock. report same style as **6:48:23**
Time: **6:38:05**
